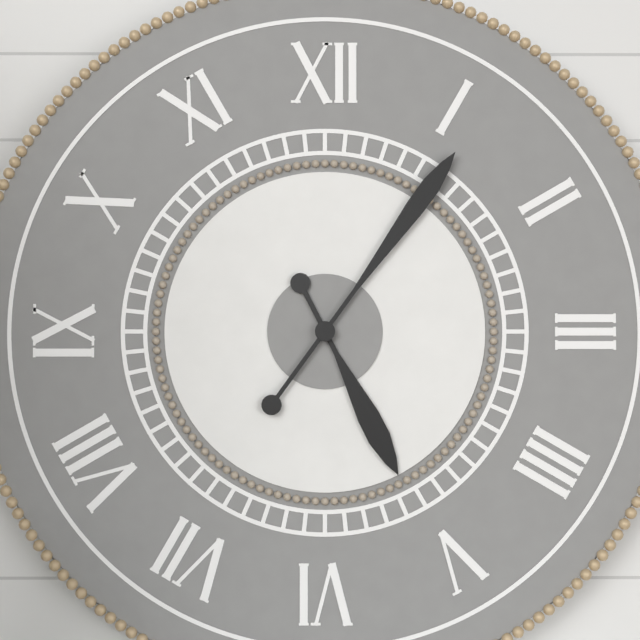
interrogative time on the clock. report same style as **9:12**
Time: **5:06**
